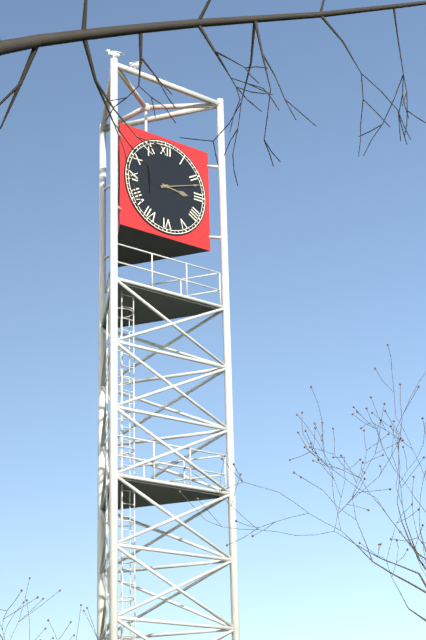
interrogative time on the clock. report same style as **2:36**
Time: **3:12**
